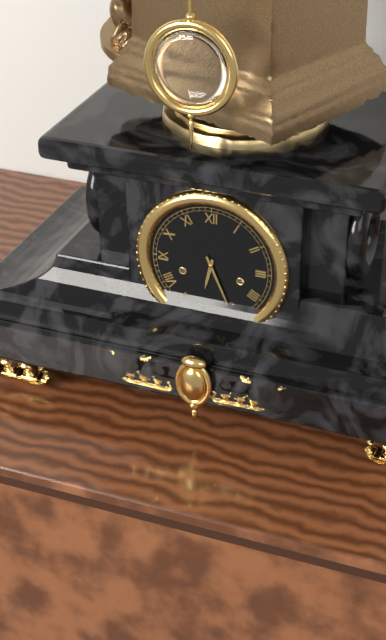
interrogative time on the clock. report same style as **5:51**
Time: **6:26**
